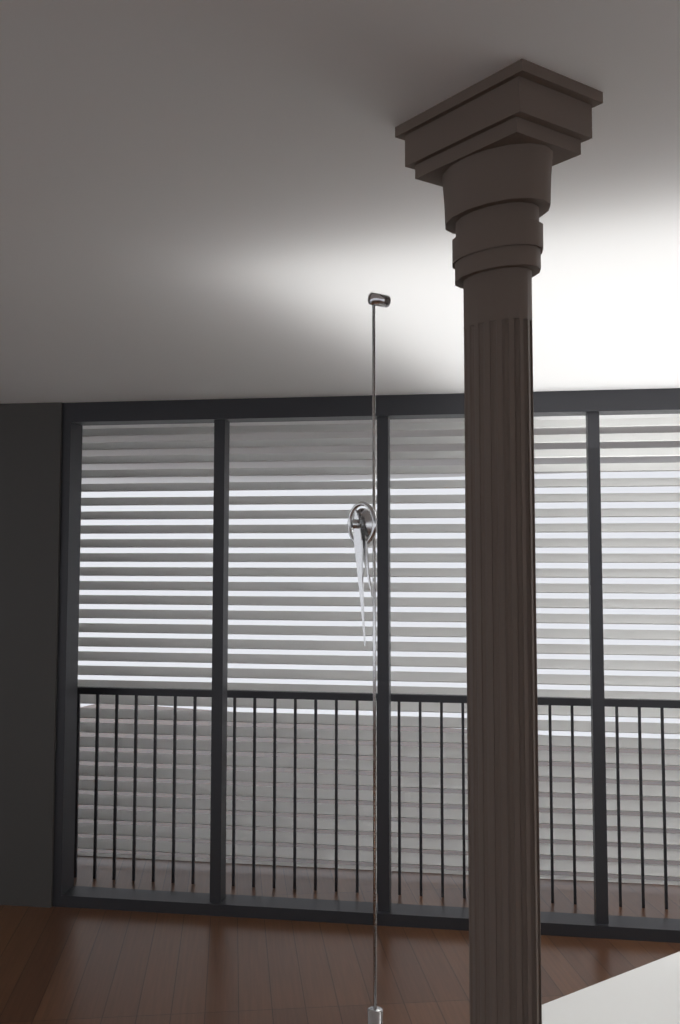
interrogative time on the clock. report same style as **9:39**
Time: **5:29**
